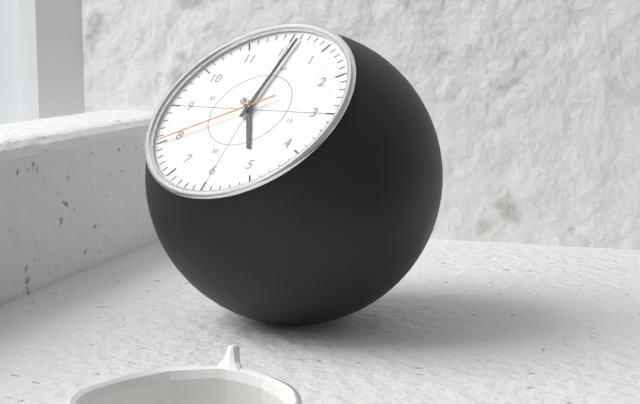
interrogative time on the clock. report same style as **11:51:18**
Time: **5:01:40**
